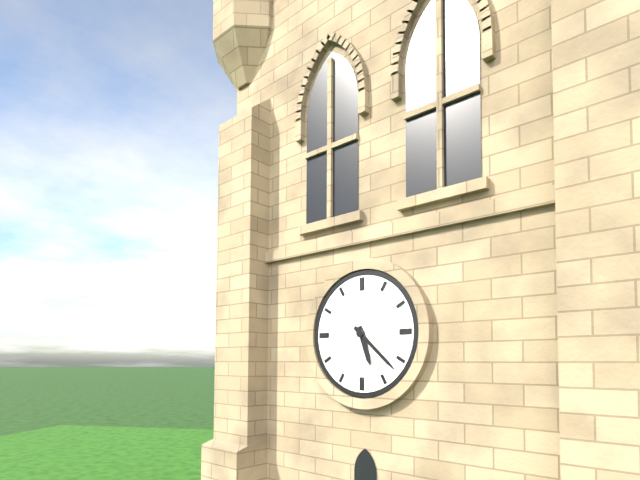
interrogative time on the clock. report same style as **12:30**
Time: **5:22**
